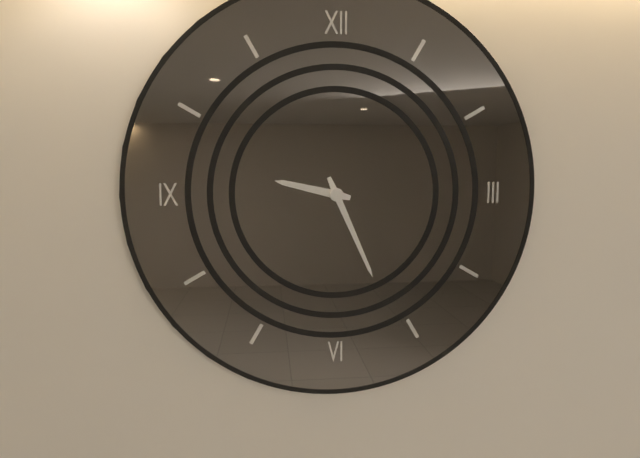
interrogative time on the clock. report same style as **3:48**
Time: **9:26**
